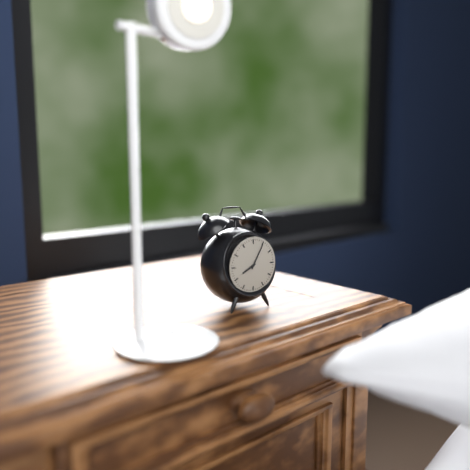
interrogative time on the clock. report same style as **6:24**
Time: **8:05**
